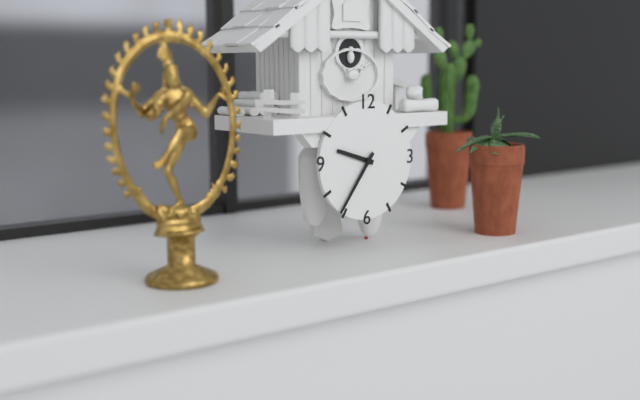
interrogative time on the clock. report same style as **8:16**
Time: **9:36**
